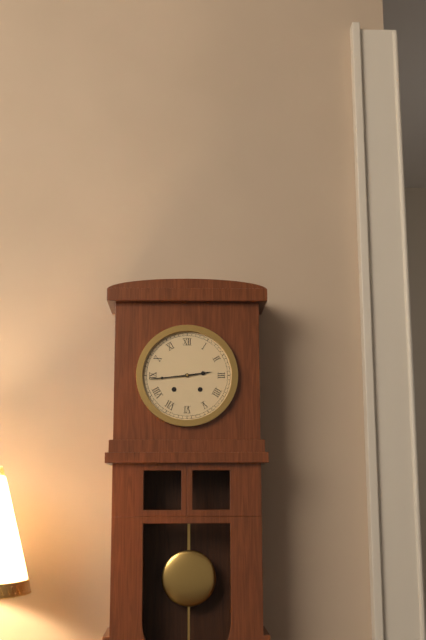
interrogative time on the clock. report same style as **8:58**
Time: **2:44**
